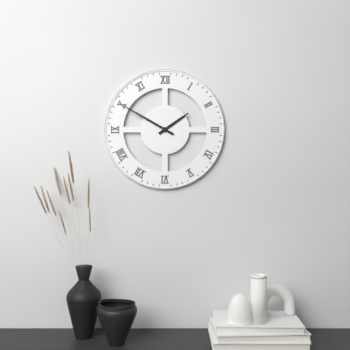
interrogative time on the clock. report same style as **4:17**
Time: **1:50**
